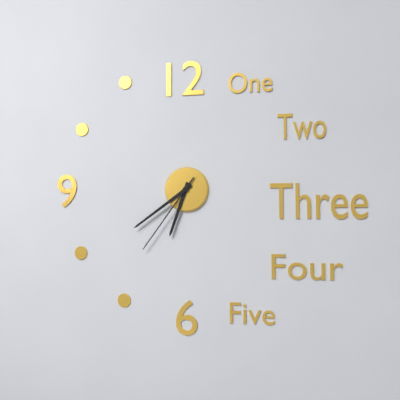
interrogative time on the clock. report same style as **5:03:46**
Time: **6:39:36**
